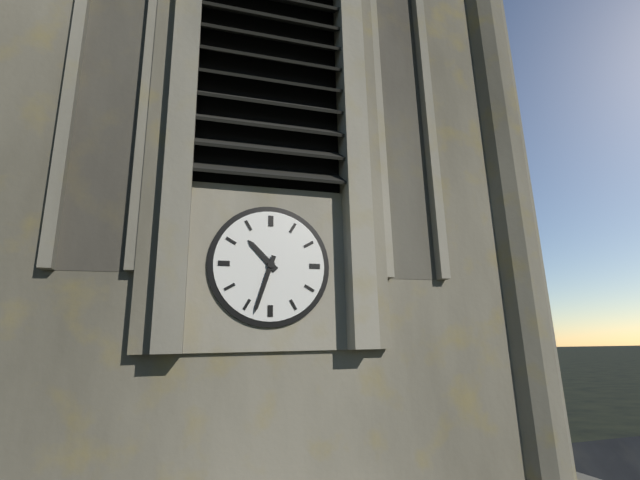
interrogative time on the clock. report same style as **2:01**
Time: **10:33**
